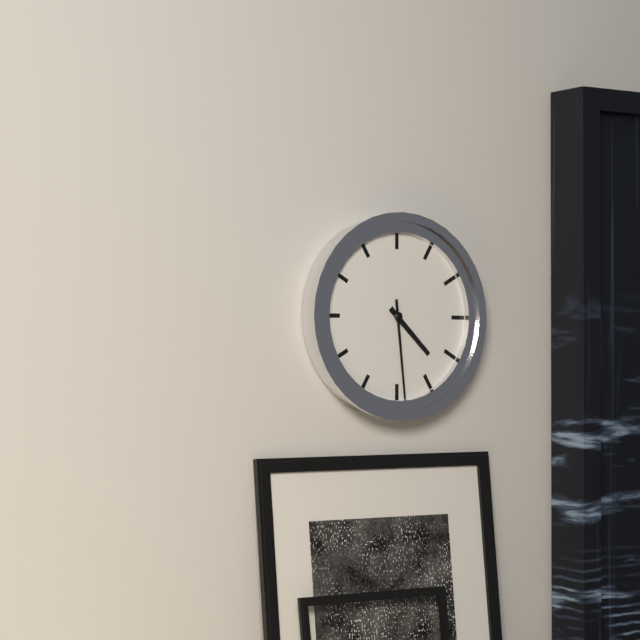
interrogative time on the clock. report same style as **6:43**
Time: **4:29**
